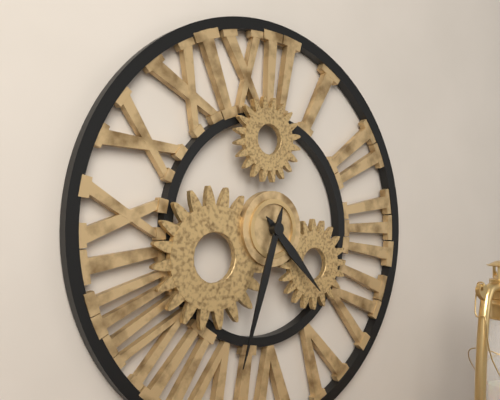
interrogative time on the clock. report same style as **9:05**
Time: **4:33**
